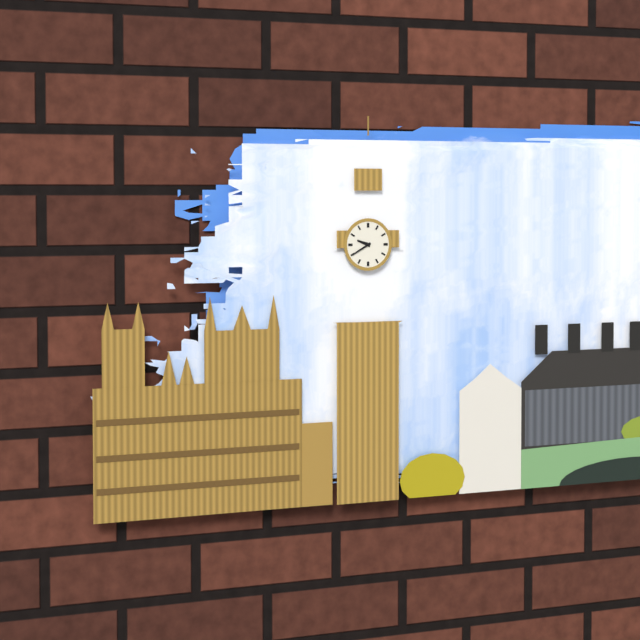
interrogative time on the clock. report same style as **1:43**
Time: **9:40**
